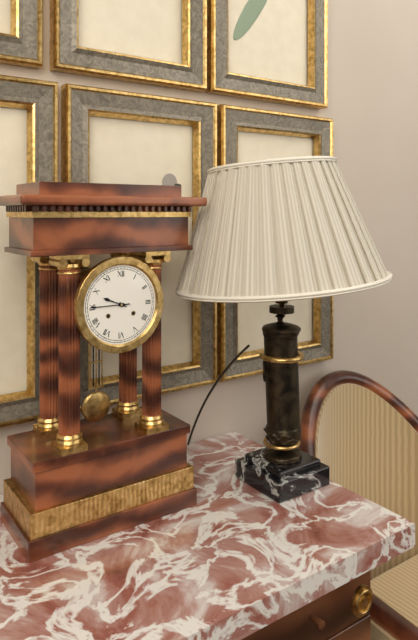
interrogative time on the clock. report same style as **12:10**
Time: **9:45**
